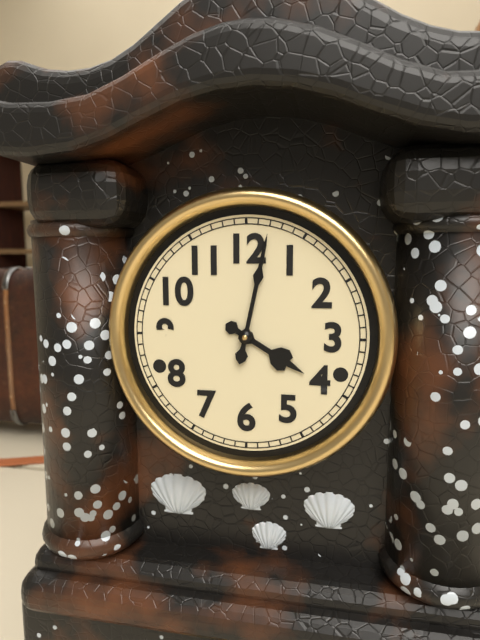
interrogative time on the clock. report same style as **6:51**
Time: **4:02**
